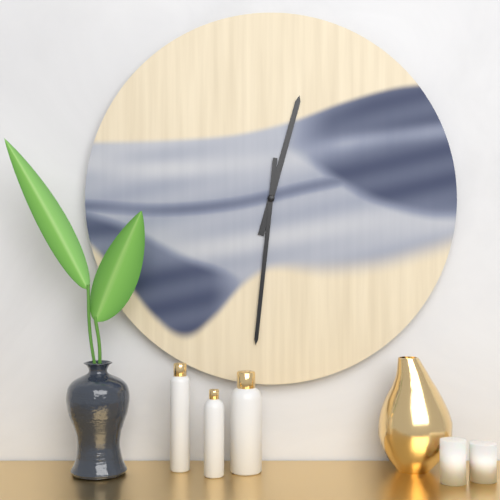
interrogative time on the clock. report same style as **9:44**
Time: **12:31**
